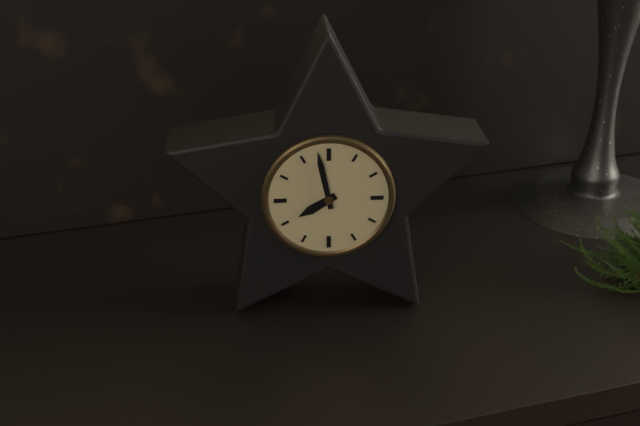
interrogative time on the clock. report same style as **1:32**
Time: **7:58**
